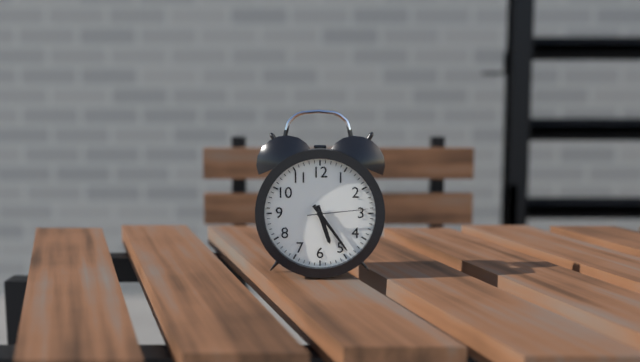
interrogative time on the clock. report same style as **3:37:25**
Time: **5:24:14**
